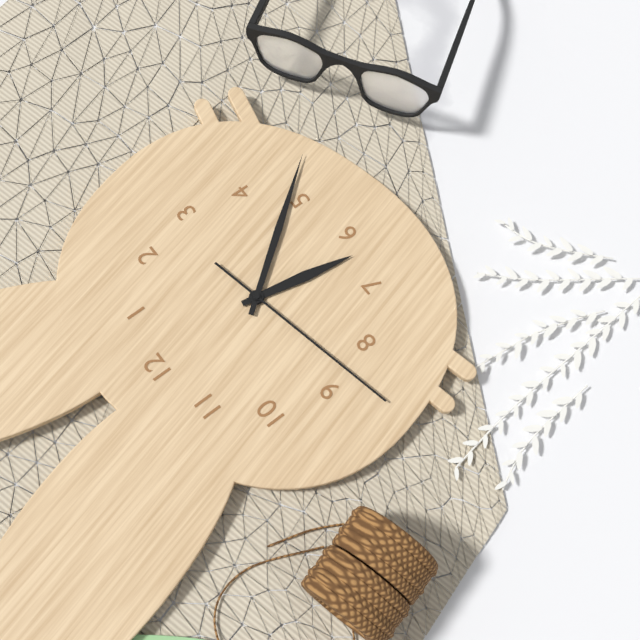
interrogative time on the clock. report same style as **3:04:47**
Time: **6:24:43**
